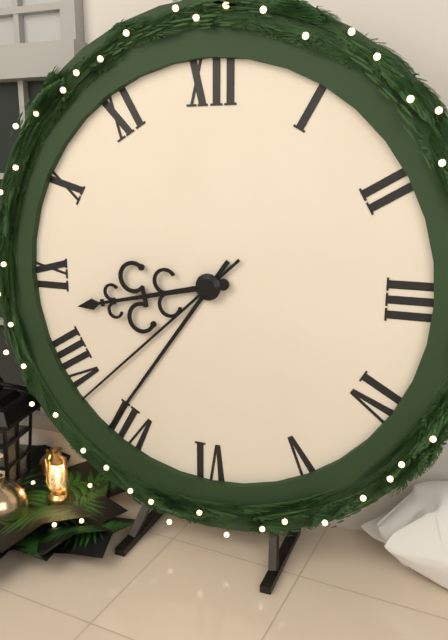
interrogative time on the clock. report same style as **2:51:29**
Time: **8:36:38**
